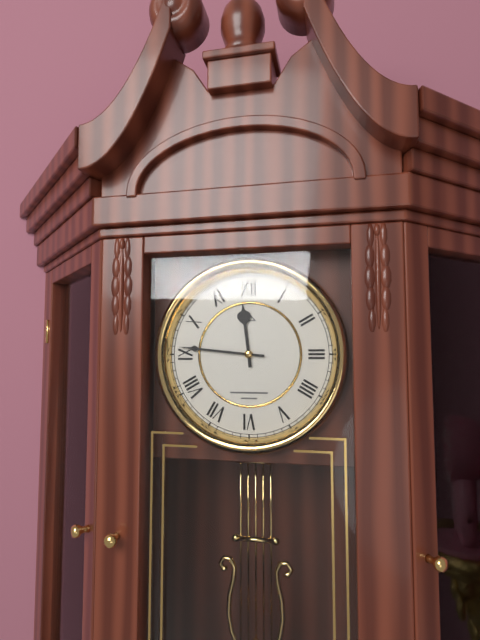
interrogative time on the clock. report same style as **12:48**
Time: **11:46**
